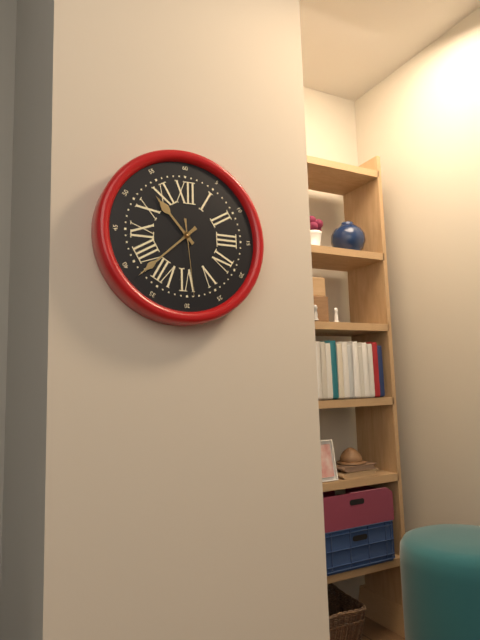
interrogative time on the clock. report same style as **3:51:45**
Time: **10:38:29**
